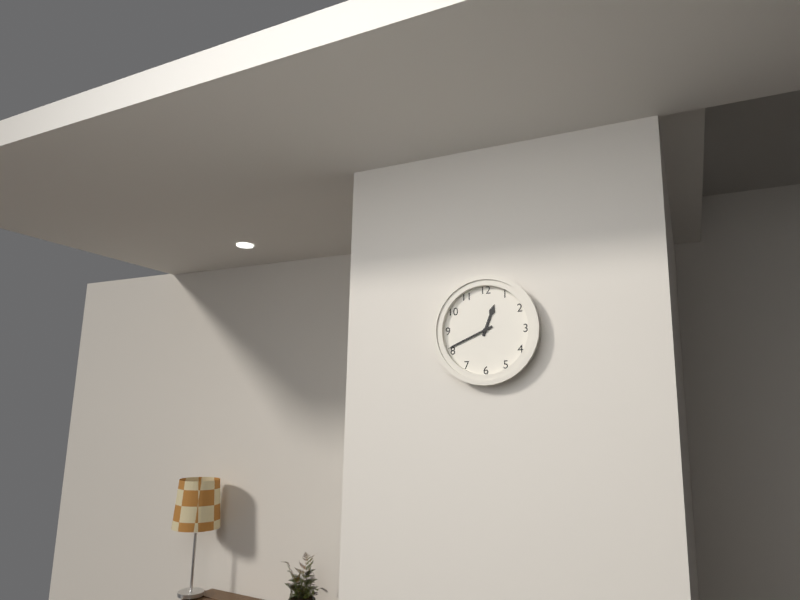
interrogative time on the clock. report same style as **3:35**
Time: **12:41**
